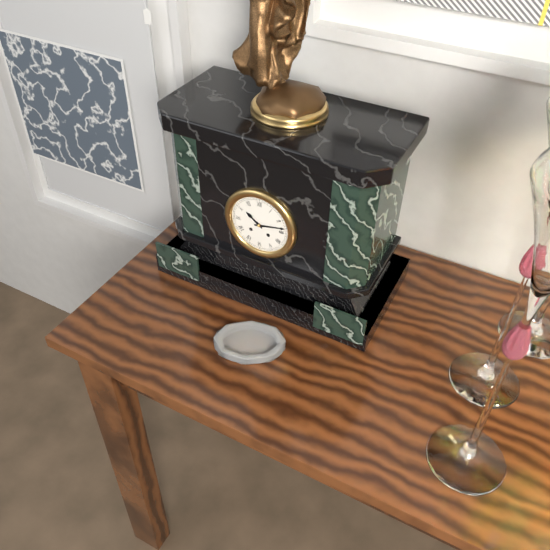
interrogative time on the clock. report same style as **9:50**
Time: **10:13**
